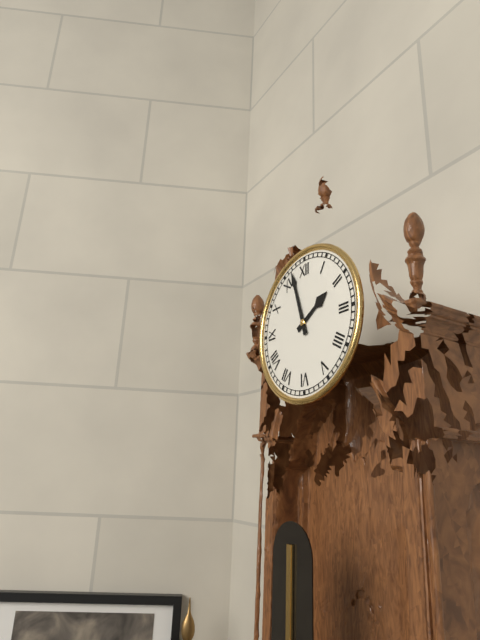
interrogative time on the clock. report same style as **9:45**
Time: **1:57**
